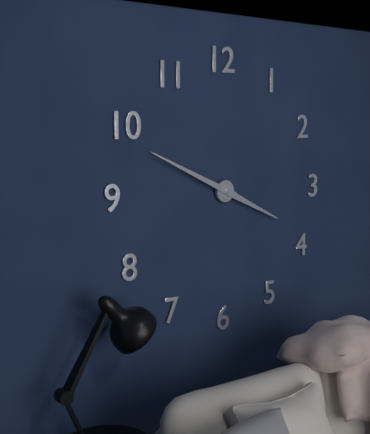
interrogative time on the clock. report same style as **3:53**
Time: **3:49**
